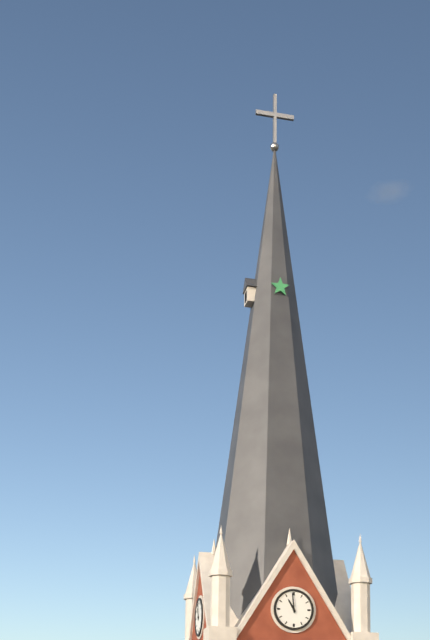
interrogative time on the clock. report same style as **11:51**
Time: **10:59**
